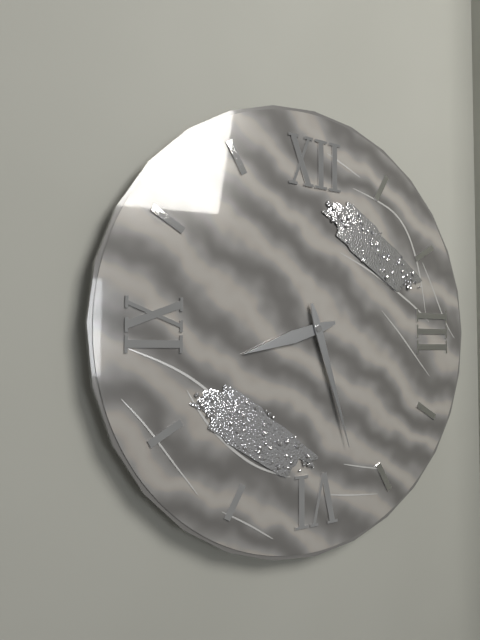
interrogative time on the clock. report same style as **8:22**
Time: **8:27**
